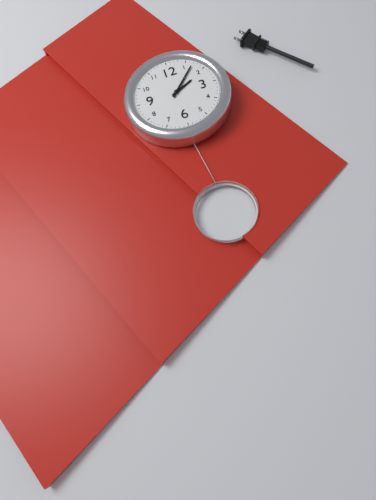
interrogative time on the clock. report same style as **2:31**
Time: **2:07**
